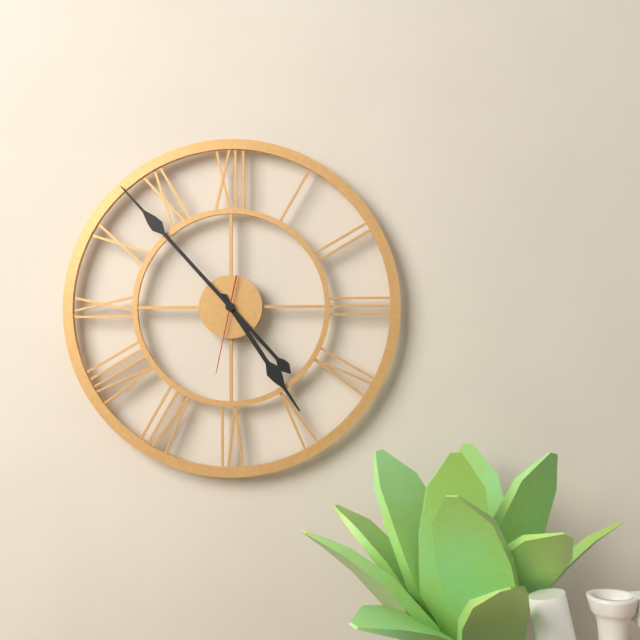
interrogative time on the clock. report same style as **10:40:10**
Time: **4:53:32**
